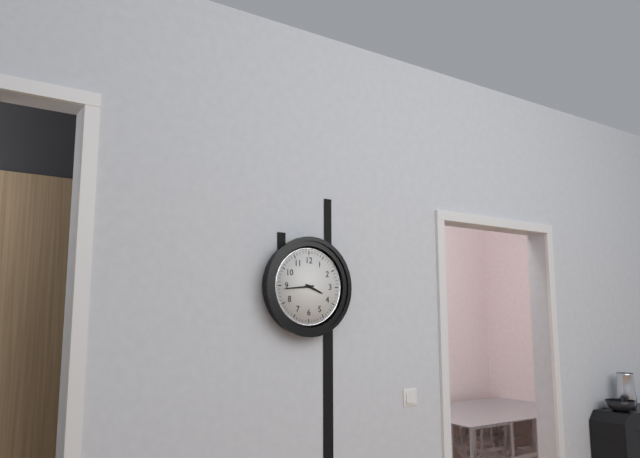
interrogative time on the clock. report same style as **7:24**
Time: **3:44**
